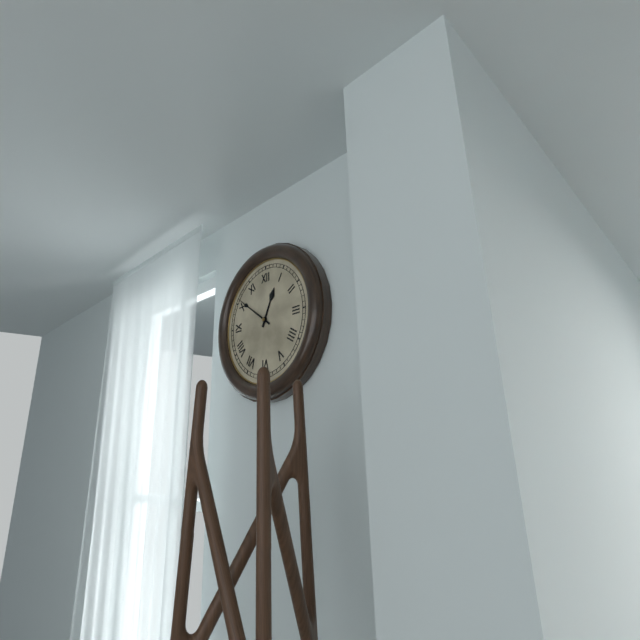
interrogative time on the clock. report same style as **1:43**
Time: **12:51**
